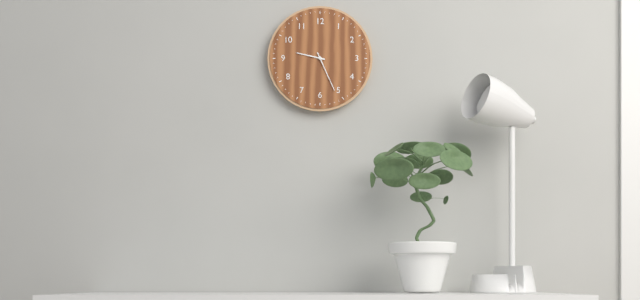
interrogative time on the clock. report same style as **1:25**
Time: **9:26**
